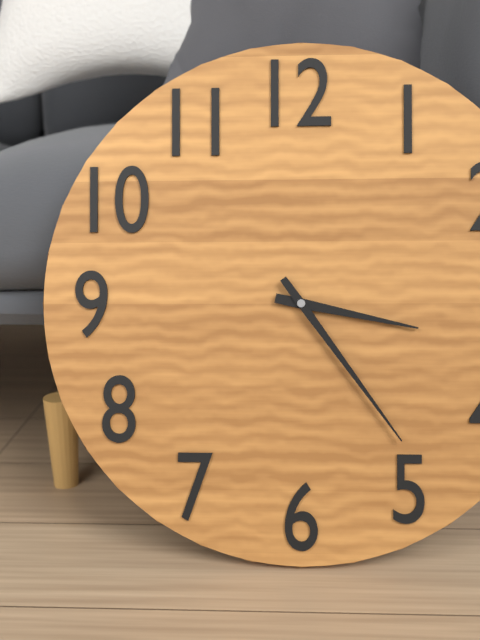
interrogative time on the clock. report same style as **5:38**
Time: **3:24**
